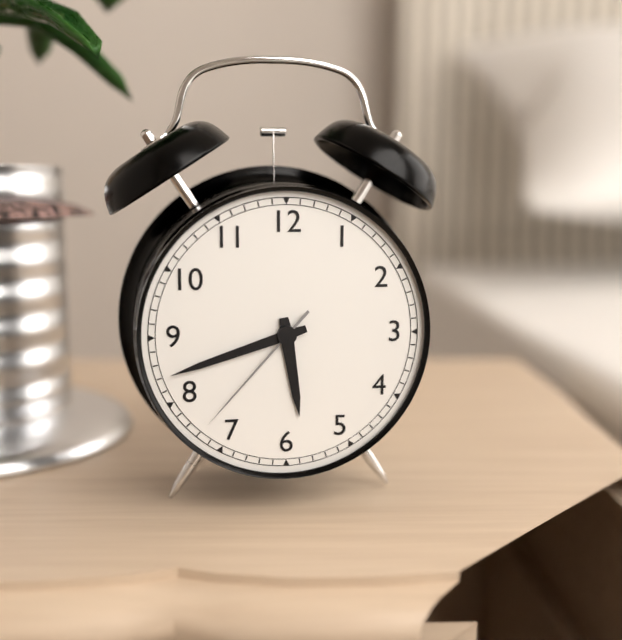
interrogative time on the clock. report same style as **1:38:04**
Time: **5:42:37**
